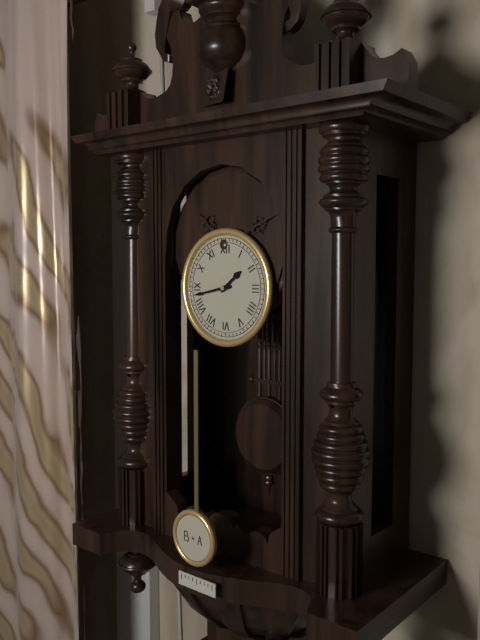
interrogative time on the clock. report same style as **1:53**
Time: **1:43**
